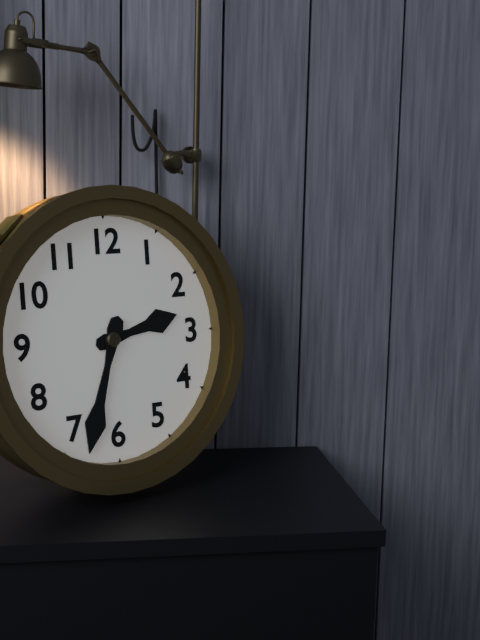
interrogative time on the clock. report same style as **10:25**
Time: **2:33**
